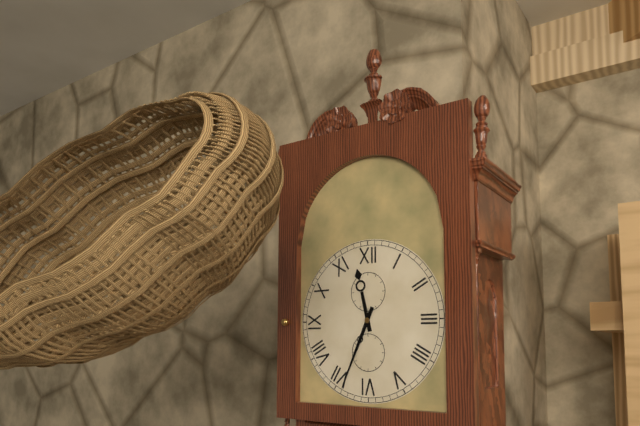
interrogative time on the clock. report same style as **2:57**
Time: **11:34**
